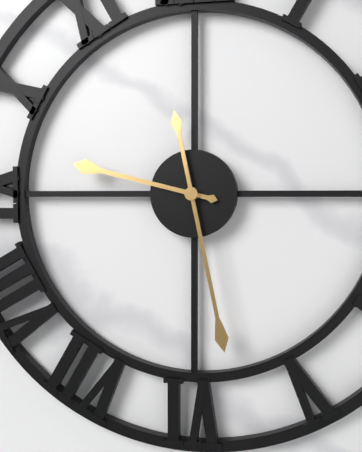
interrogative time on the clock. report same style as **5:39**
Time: **9:28**
